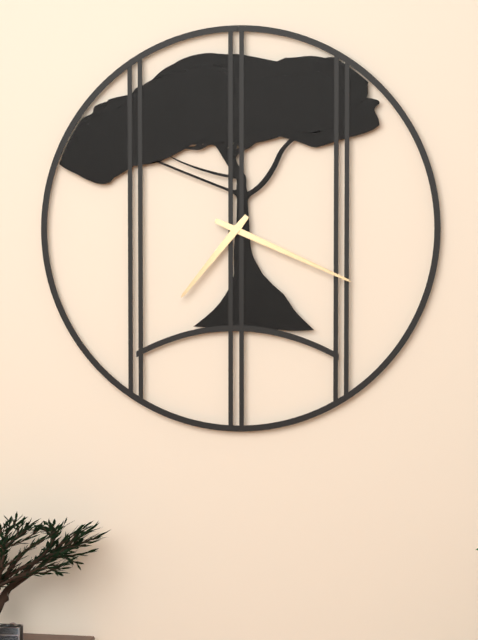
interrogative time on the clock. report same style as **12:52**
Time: **7:19**
